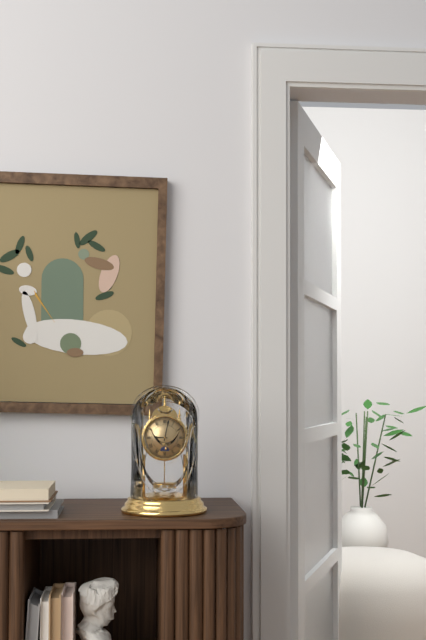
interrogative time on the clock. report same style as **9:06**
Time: **9:02**
